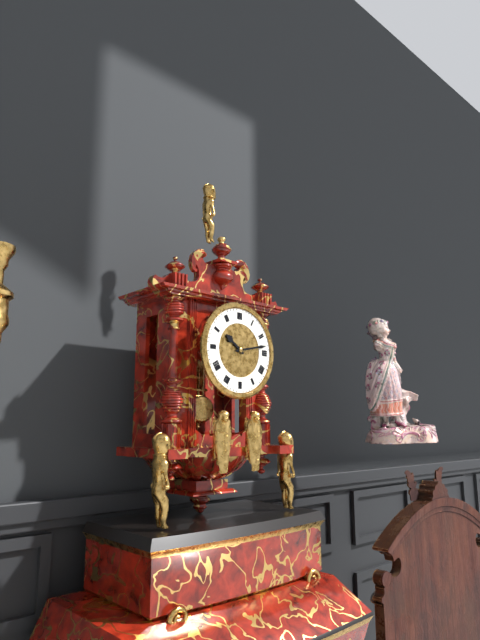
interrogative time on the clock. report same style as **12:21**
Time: **10:13**
